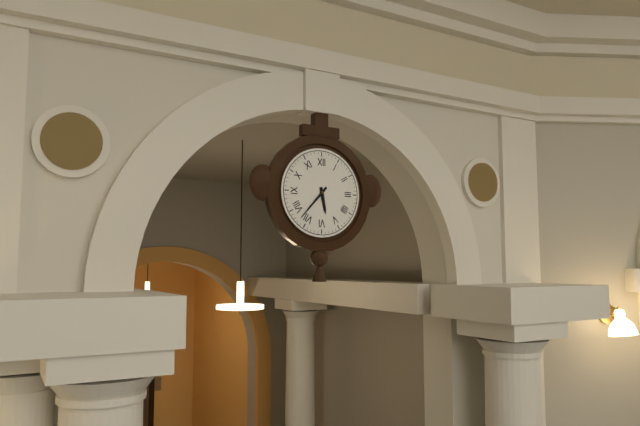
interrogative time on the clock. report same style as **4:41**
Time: **5:37**
